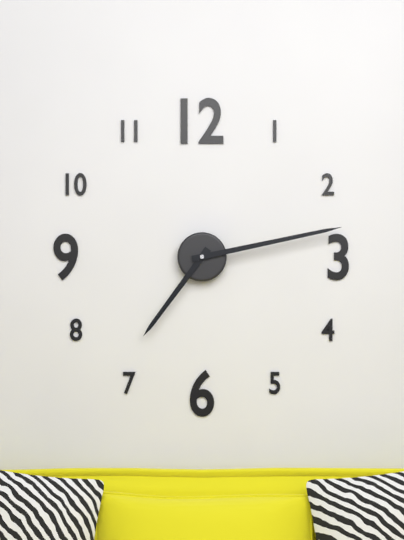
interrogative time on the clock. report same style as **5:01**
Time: **7:13**
